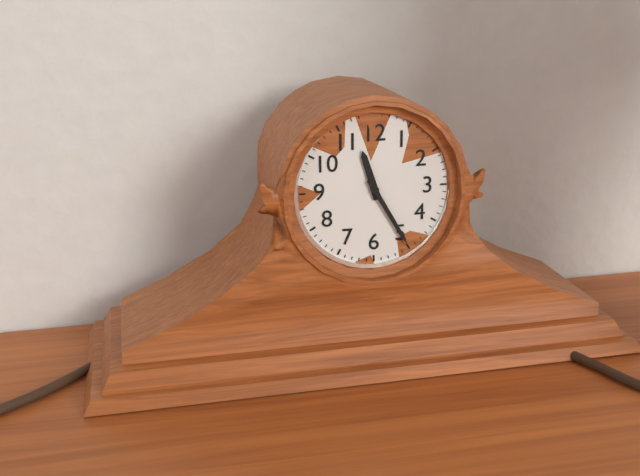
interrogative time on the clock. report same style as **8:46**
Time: **11:25**
